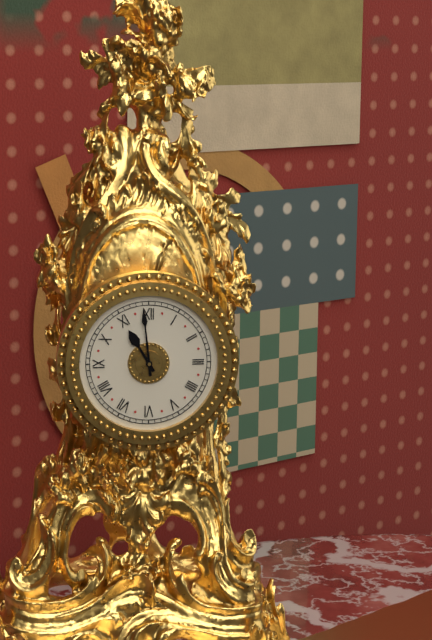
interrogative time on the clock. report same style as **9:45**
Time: **10:59**
